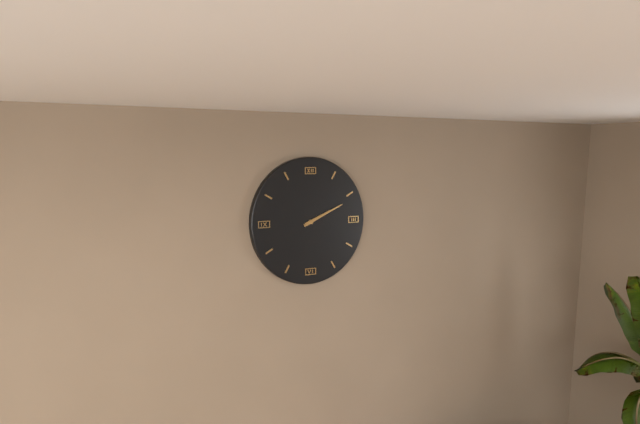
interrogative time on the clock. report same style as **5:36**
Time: **2:11**
